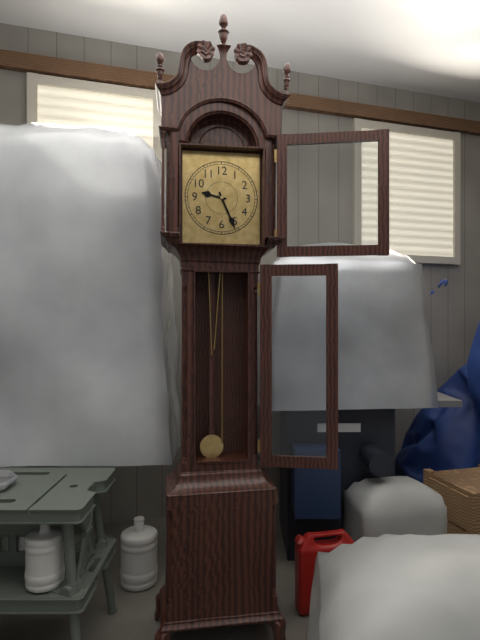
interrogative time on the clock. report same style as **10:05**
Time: **9:26**
